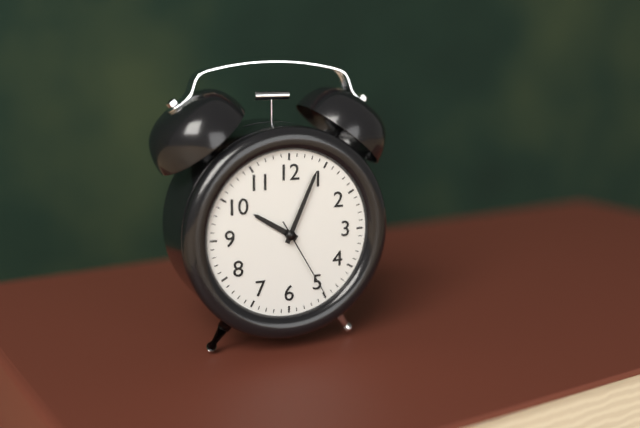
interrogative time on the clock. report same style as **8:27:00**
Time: **10:04:25**
